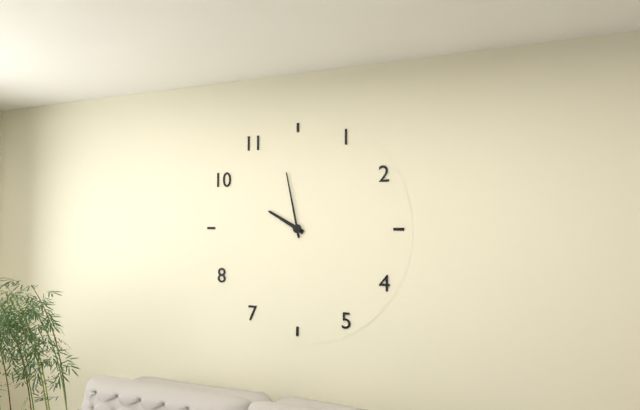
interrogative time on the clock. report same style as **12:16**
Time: **9:58**
